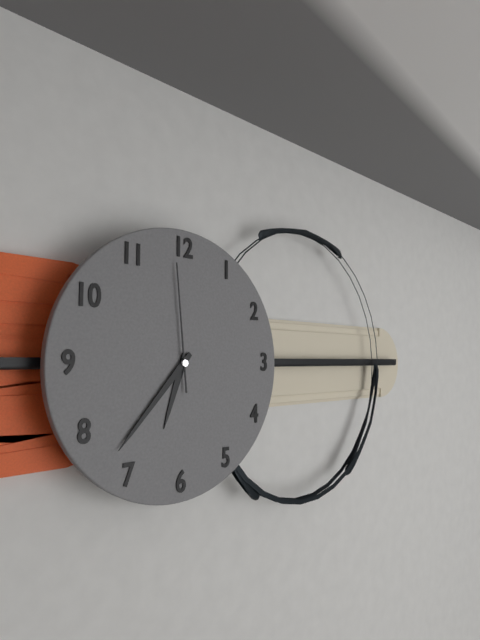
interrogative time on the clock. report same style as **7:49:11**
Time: **6:37:59**
